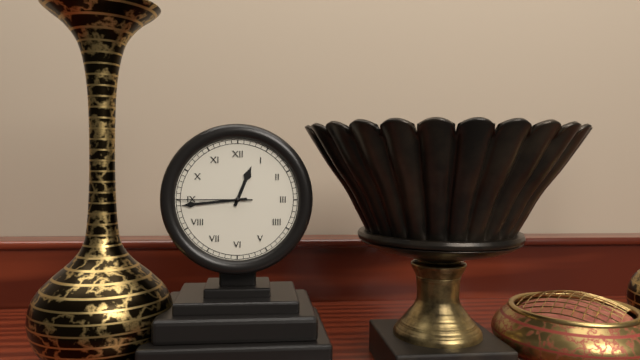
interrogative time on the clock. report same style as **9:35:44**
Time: **12:44:45**
